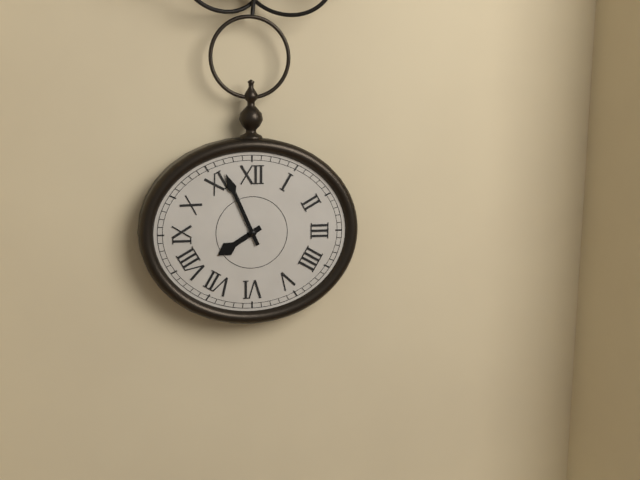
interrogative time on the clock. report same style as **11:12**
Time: **7:56**
